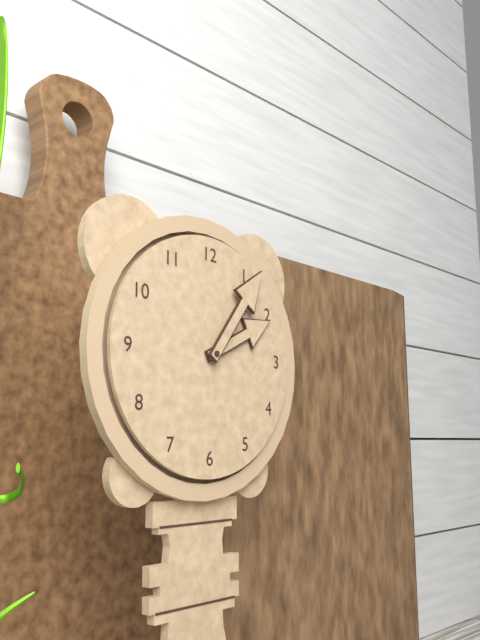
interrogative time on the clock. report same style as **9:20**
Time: **2:06**
